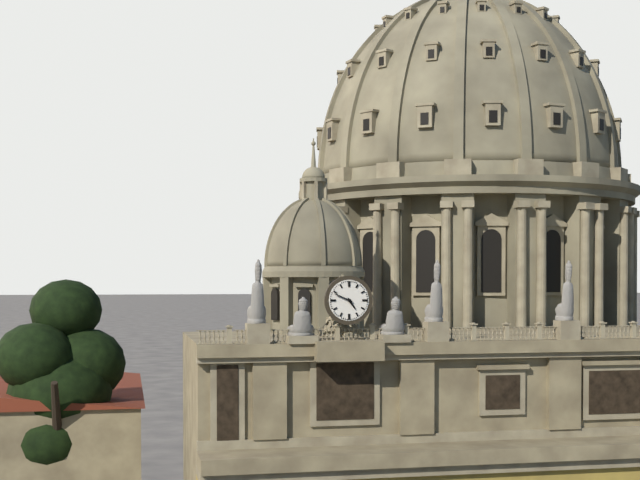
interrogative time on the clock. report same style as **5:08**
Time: **4:49**
